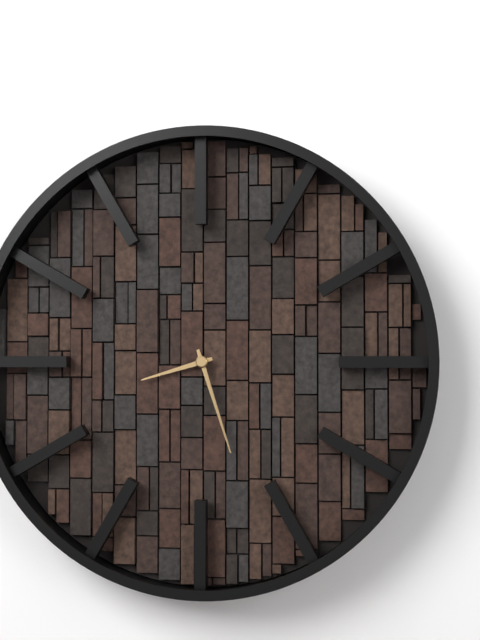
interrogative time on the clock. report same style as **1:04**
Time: **8:27**
